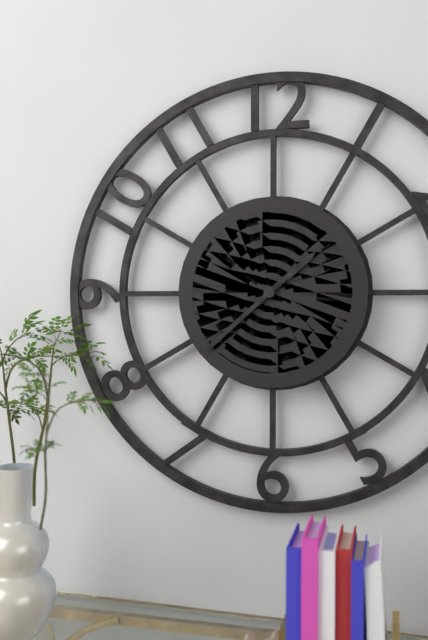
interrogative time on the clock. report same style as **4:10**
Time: **1:38**
